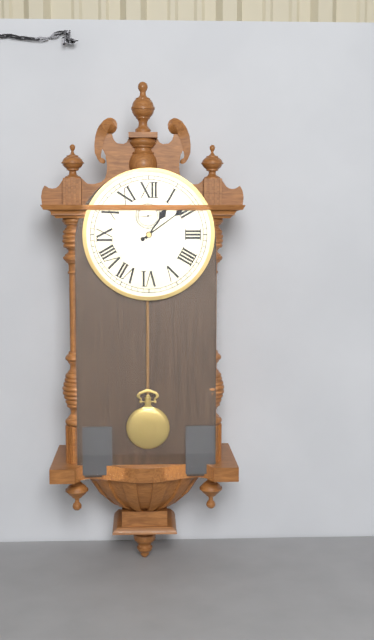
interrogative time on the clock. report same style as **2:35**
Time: **1:09**
